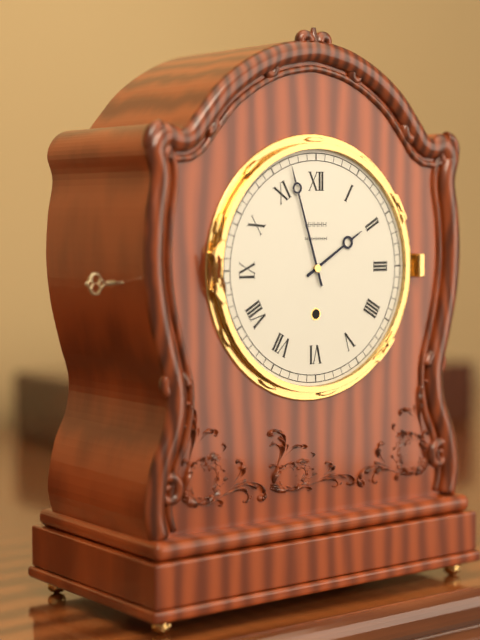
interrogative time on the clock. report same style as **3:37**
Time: **1:57**
